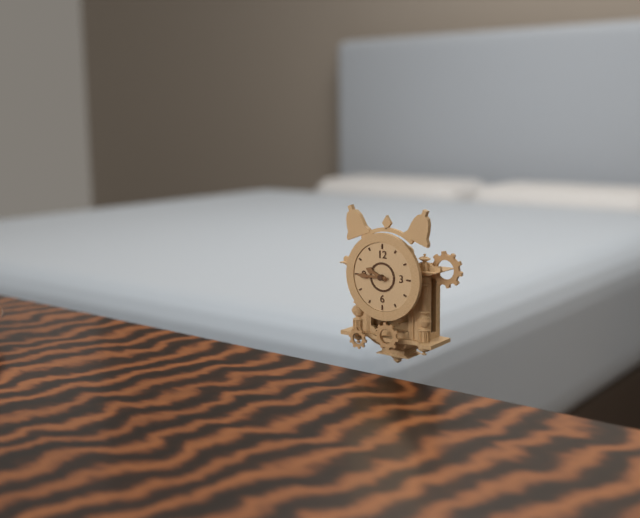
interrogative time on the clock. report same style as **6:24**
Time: **9:45**
